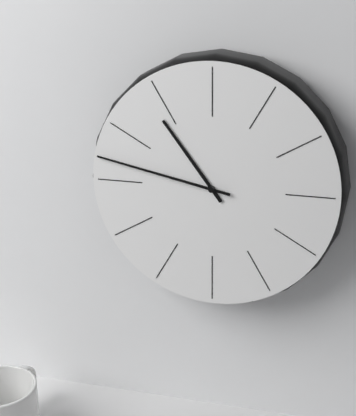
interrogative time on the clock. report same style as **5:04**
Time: **10:47**
